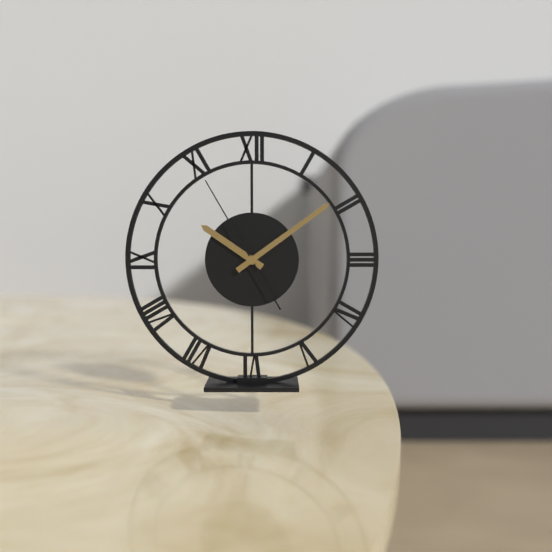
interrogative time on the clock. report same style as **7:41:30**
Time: **10:09:55**
